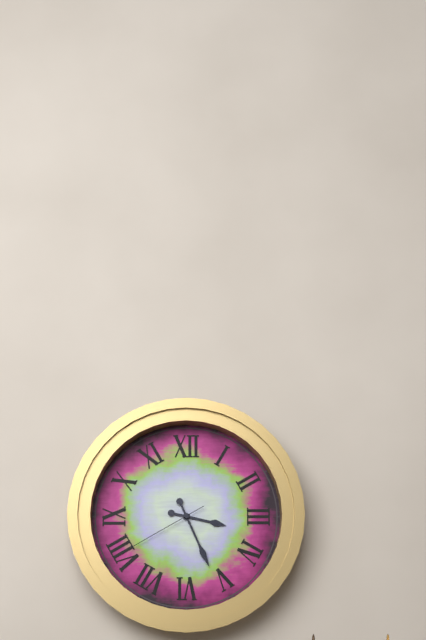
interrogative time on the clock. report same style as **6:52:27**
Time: **3:26:40**
